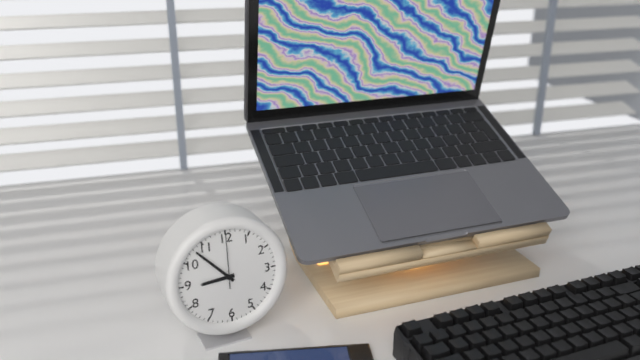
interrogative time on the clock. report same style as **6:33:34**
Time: **8:53:00**
